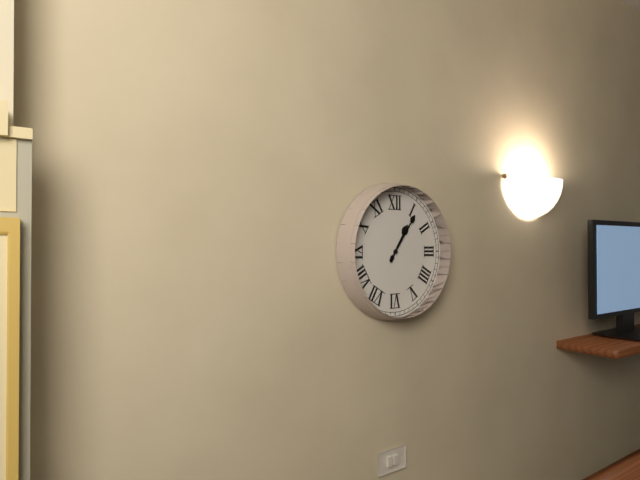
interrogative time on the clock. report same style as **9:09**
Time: **1:06**
